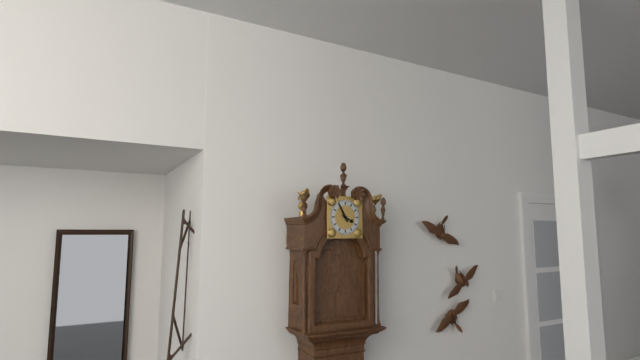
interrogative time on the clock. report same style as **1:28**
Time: **3:55**
